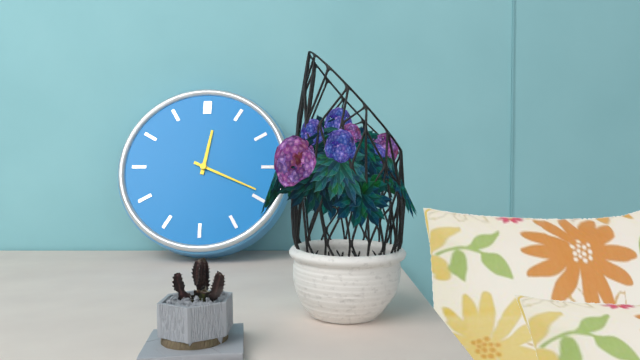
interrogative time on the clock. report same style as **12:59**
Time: **12:19**
